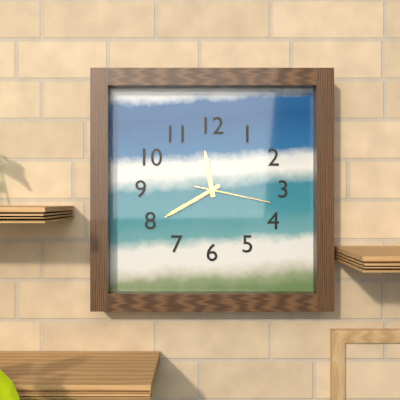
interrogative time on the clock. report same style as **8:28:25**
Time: **11:40:17**
